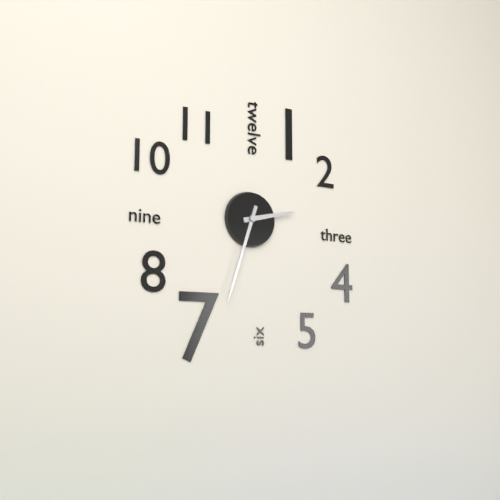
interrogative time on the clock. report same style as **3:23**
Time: **2:33**
